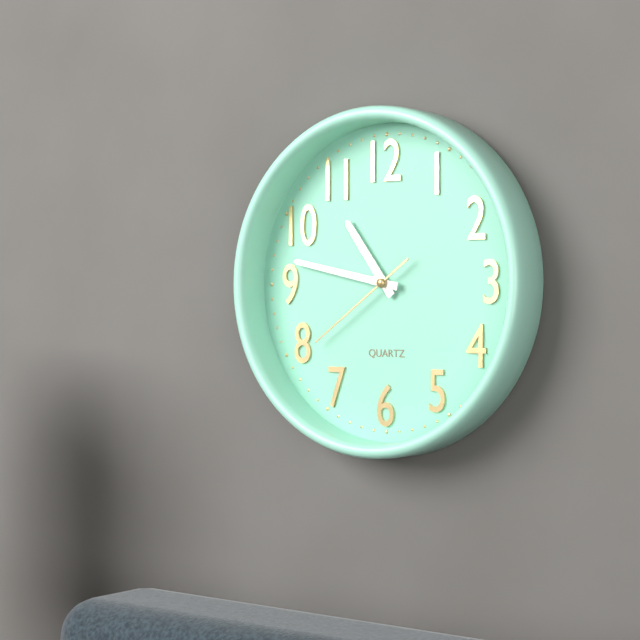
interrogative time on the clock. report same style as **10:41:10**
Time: **10:47:39**
